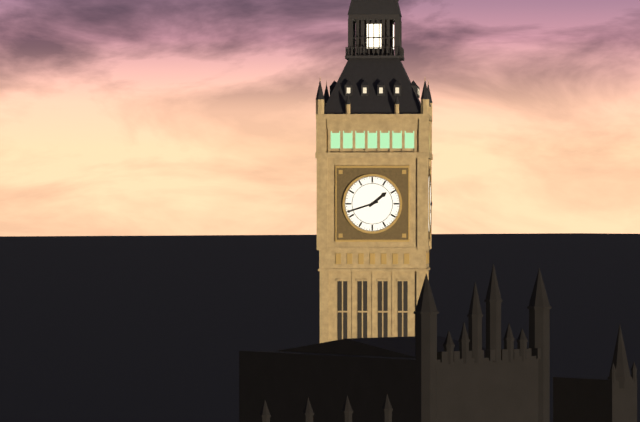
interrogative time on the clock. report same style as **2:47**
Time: **1:42**
